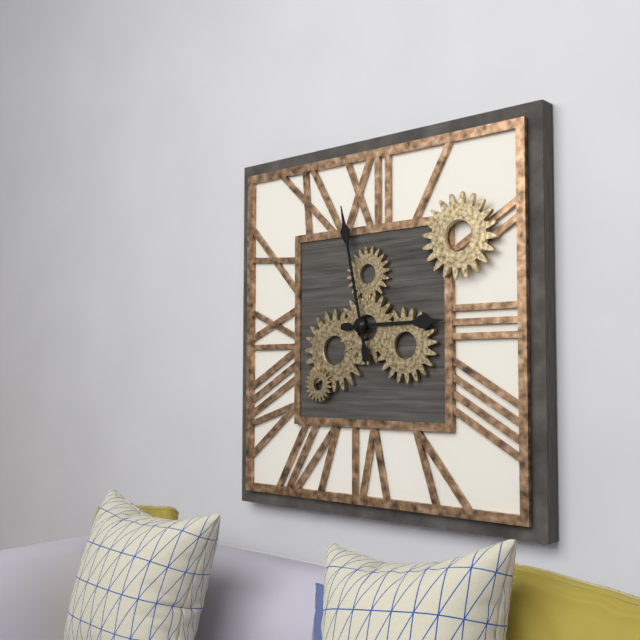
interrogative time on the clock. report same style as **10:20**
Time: **2:58**
